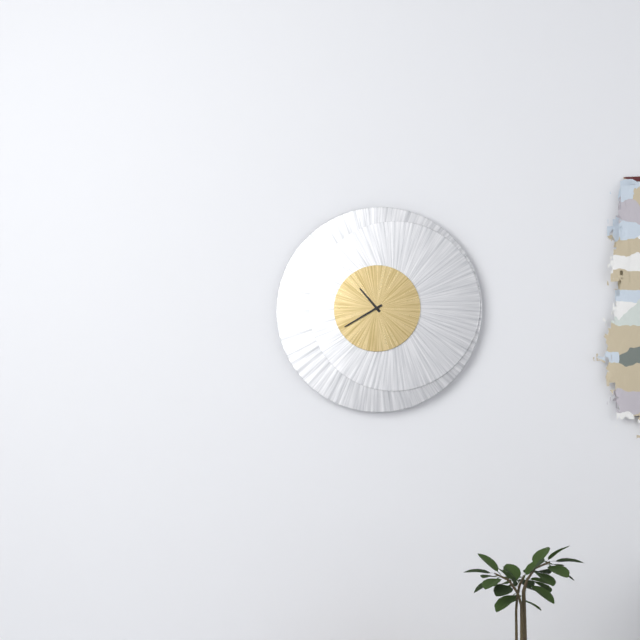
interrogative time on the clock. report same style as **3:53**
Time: **10:40**
